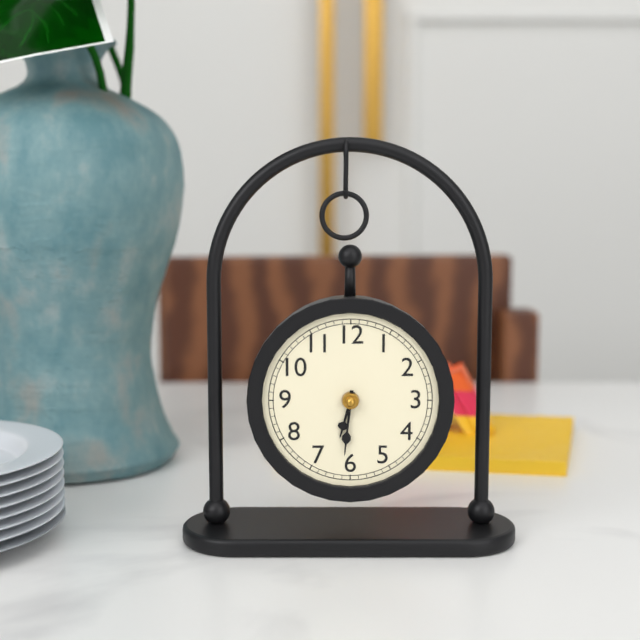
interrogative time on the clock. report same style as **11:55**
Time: **6:31**
